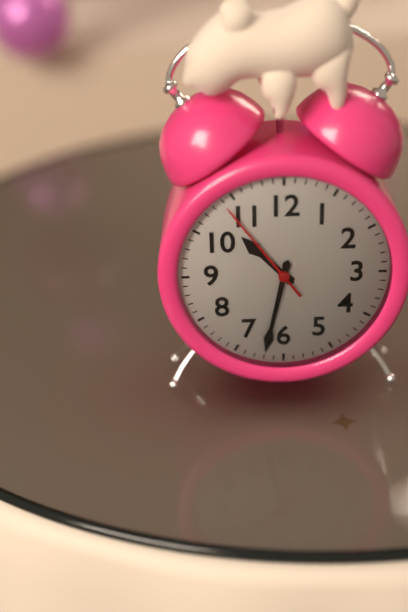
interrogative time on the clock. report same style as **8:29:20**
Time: **10:32:54**
